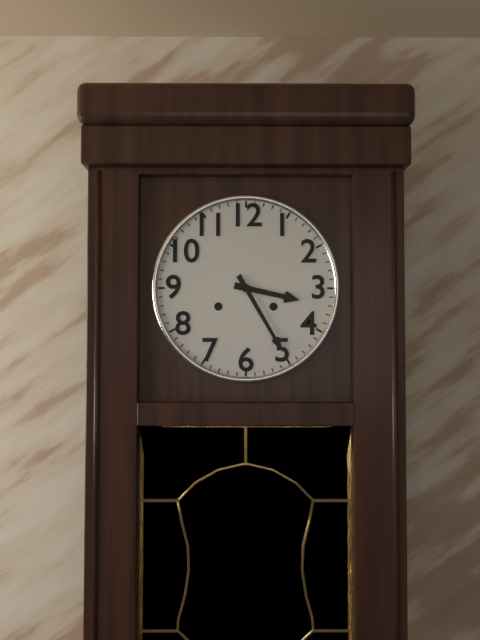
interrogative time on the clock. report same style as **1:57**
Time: **3:25**
